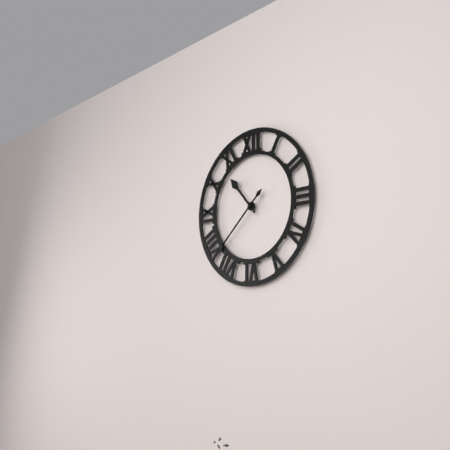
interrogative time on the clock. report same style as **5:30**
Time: **10:38**
